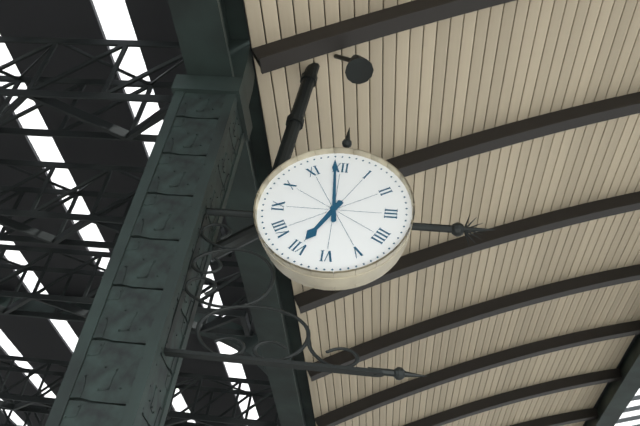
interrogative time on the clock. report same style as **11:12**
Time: **6:59**
